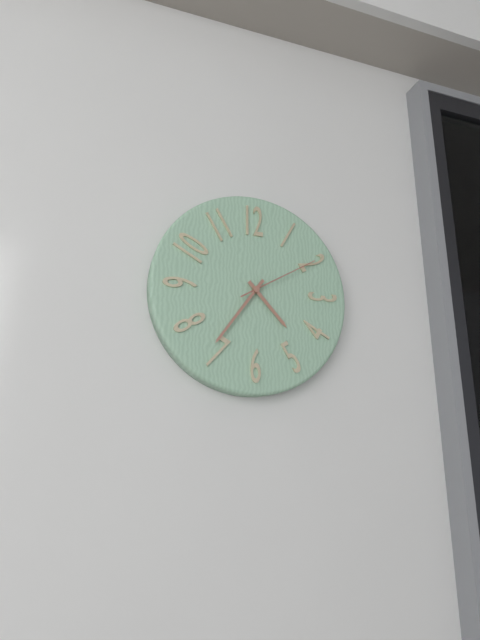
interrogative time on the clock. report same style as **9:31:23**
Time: **4:36:10**
